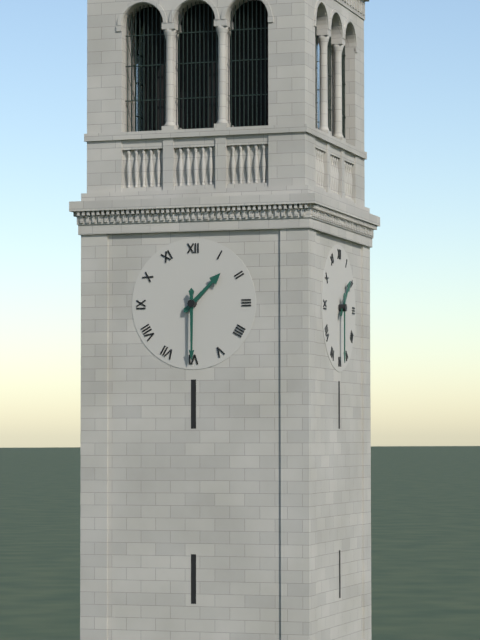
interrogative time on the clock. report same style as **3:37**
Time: **1:30**
